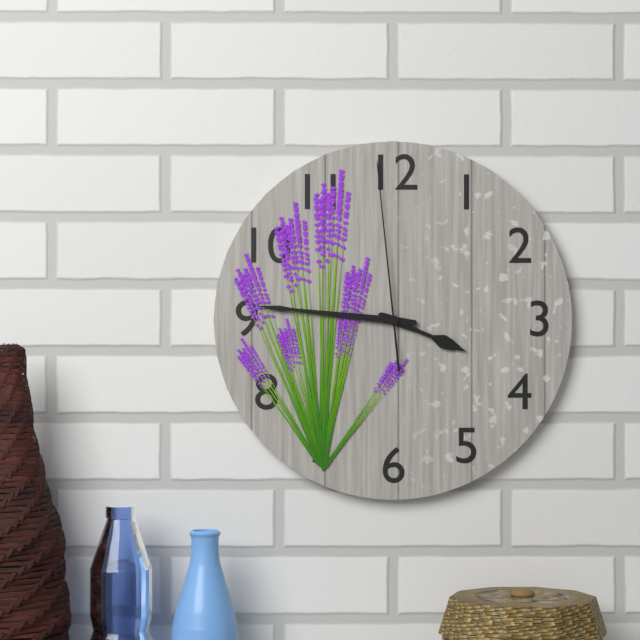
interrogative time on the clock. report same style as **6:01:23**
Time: **3:46:59**
